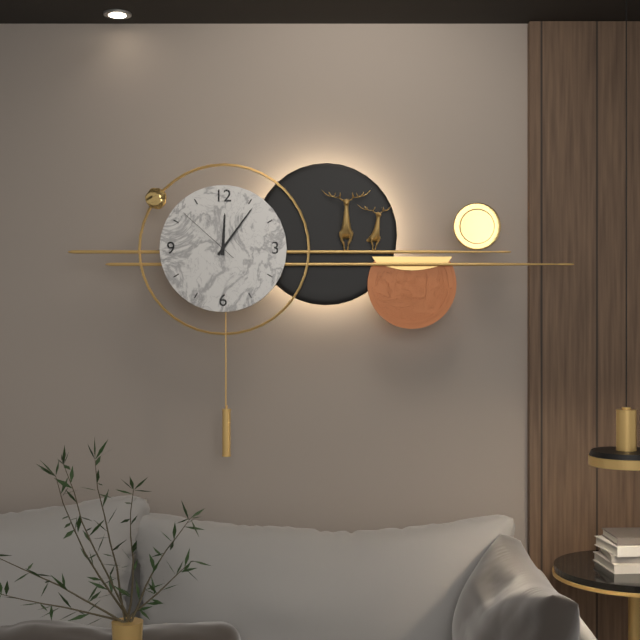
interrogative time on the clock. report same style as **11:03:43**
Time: **12:06:52**
